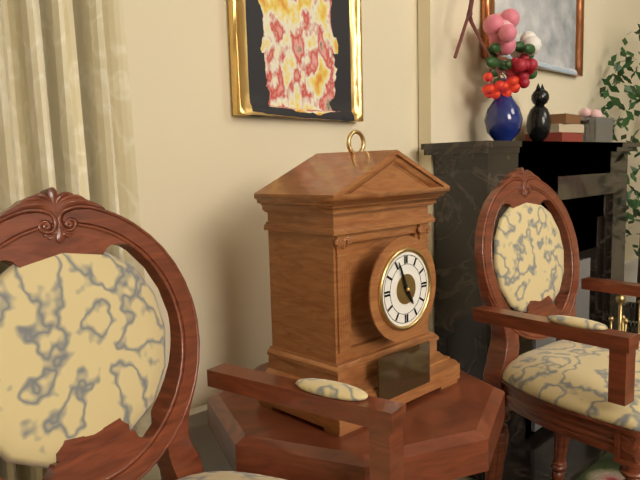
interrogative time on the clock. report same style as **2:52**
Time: **4:56**
